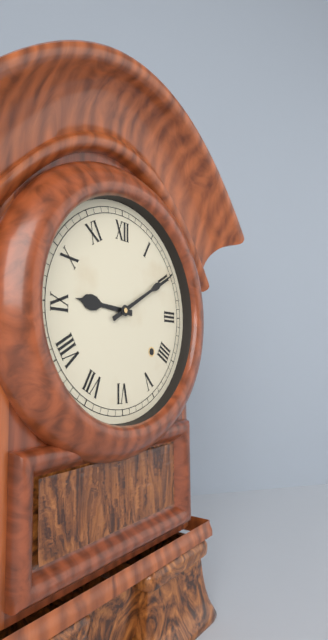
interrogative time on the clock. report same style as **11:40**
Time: **9:10**
